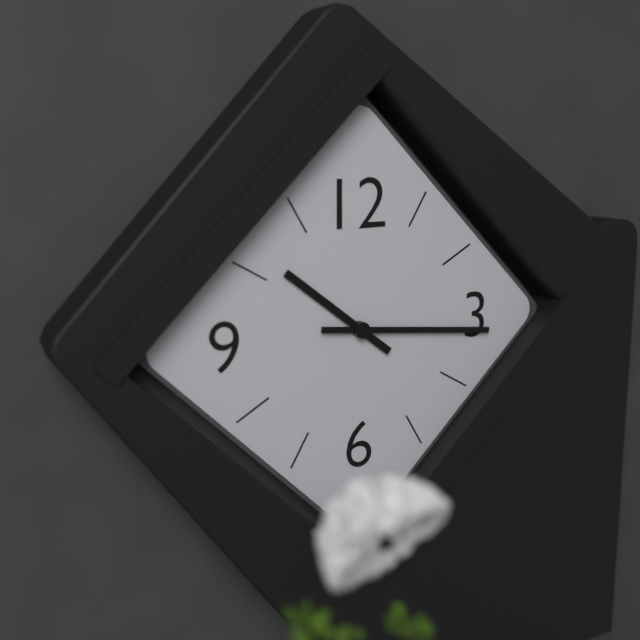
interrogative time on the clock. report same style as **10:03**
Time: **10:16**
